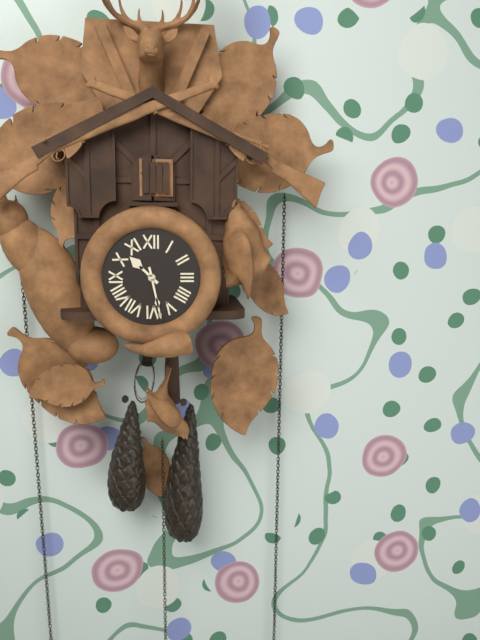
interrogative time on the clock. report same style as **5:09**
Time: **10:28**
